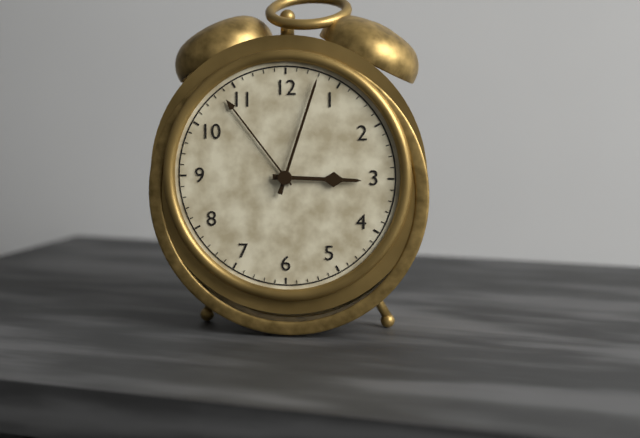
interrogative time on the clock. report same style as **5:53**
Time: **3:03**
